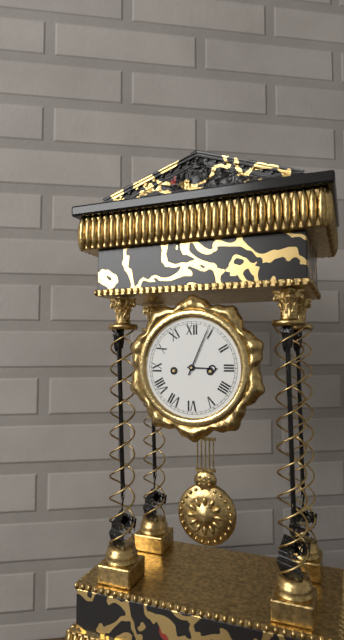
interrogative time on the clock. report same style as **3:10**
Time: **3:04**
